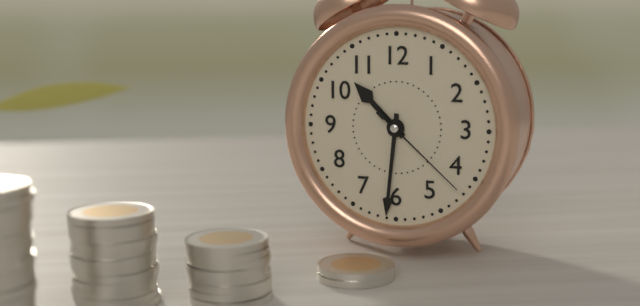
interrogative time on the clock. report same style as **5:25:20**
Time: **10:31:22**
